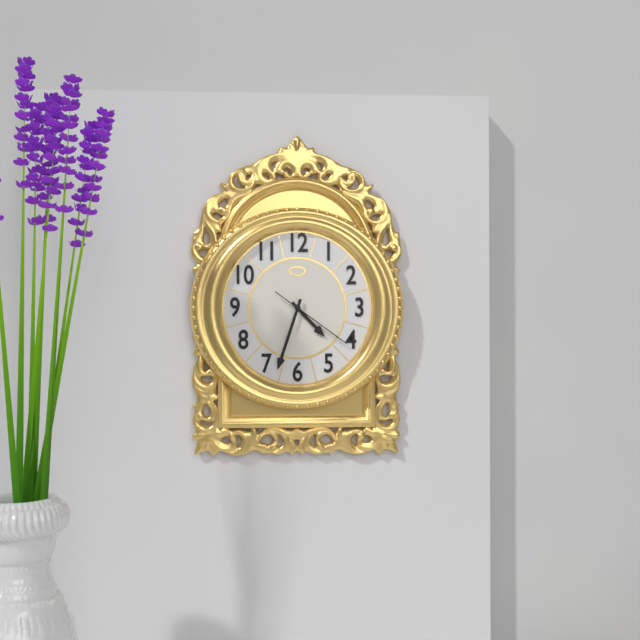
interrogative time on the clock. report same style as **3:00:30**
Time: **4:33:21**
